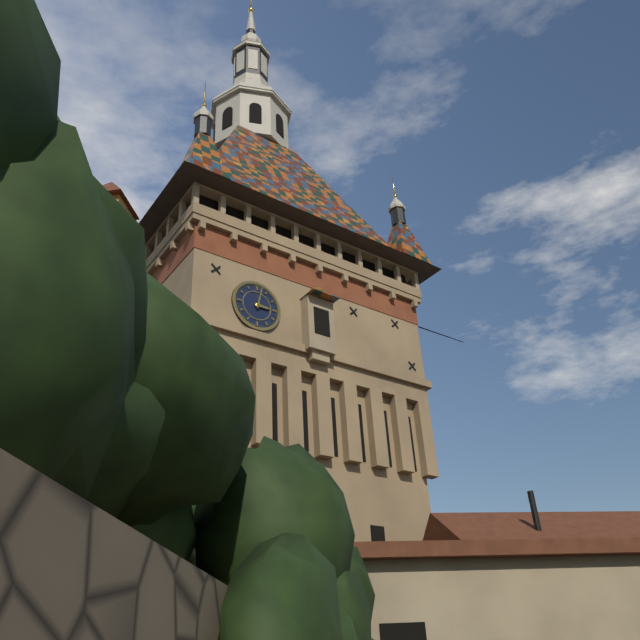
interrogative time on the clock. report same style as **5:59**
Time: **3:02**
